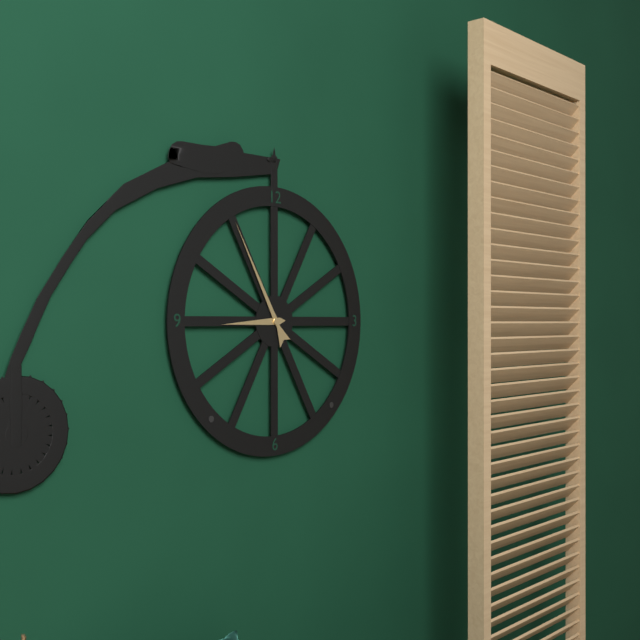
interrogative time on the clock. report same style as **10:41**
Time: **8:55**
